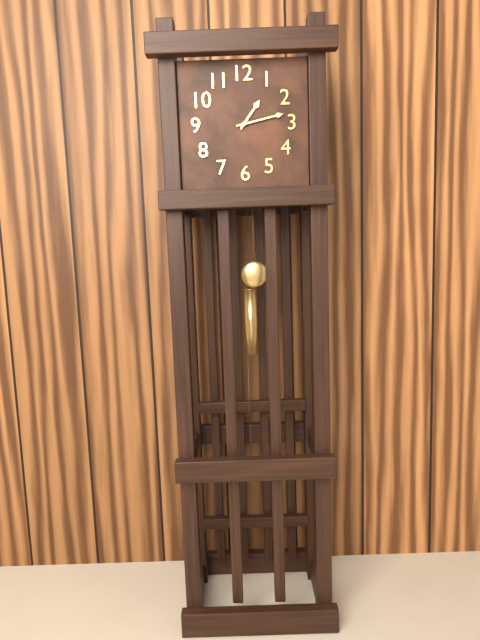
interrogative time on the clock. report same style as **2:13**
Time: **1:13**
